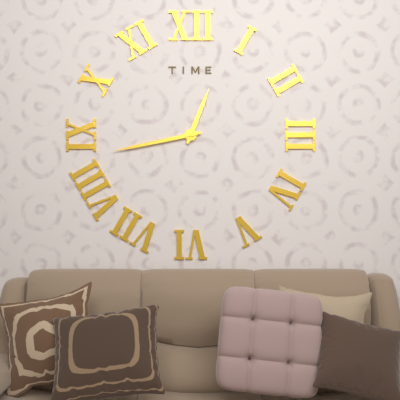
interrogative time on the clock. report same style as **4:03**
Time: **12:43**
